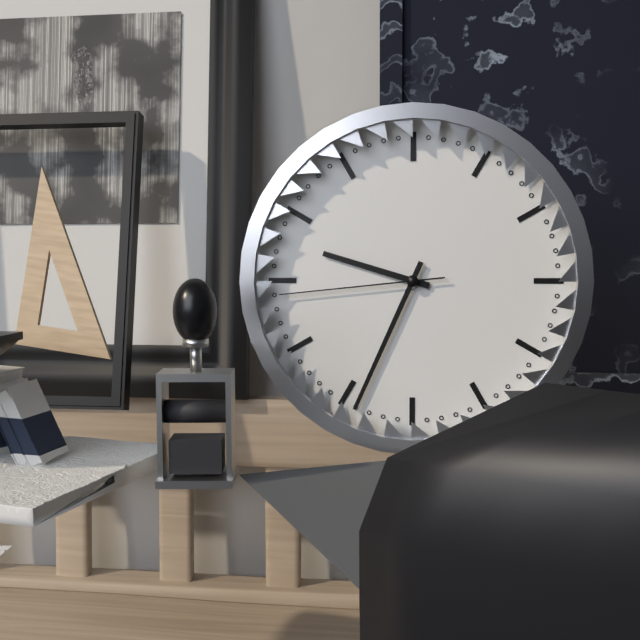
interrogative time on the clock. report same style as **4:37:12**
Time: **9:34:44**
